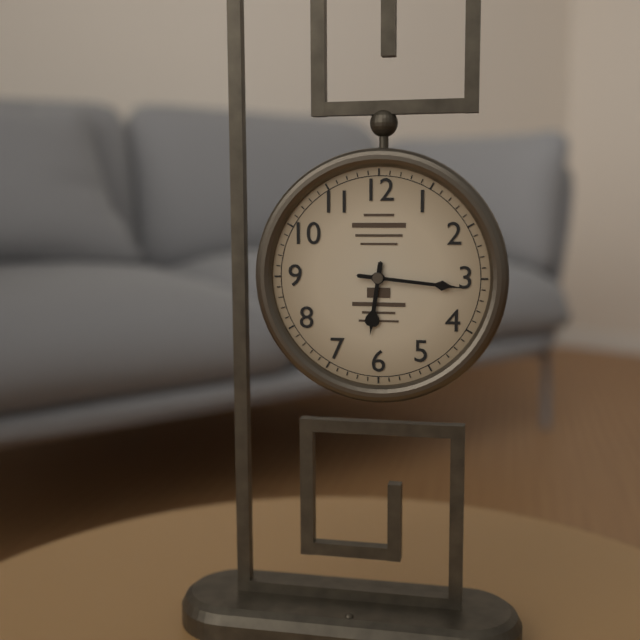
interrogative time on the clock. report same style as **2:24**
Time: **6:16**
